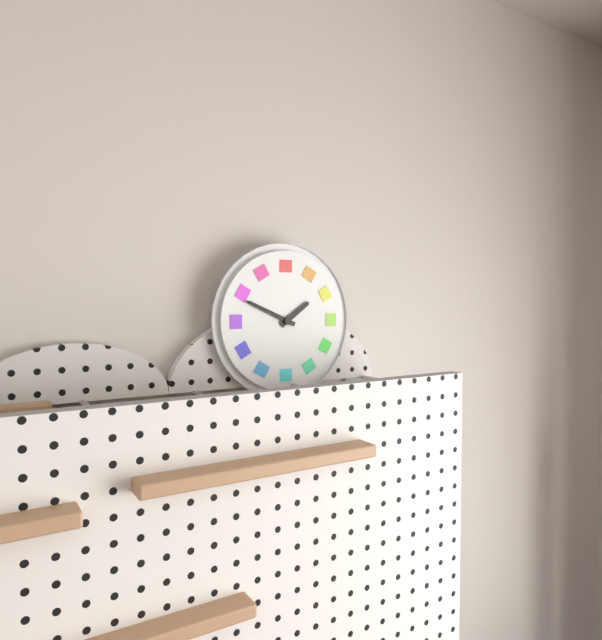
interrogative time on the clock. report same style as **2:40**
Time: **1:49**
